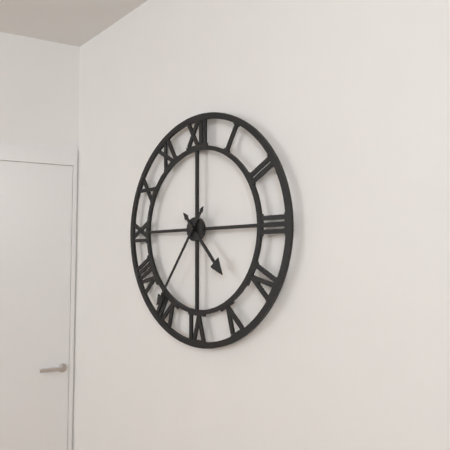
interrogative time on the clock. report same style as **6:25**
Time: **4:36**
